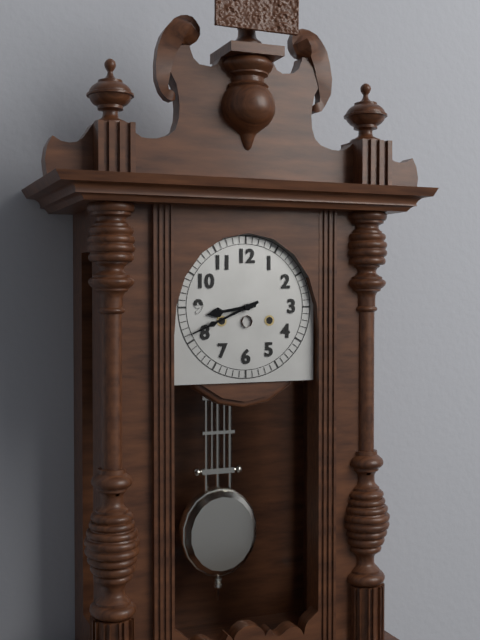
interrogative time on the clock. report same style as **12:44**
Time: **8:41**
